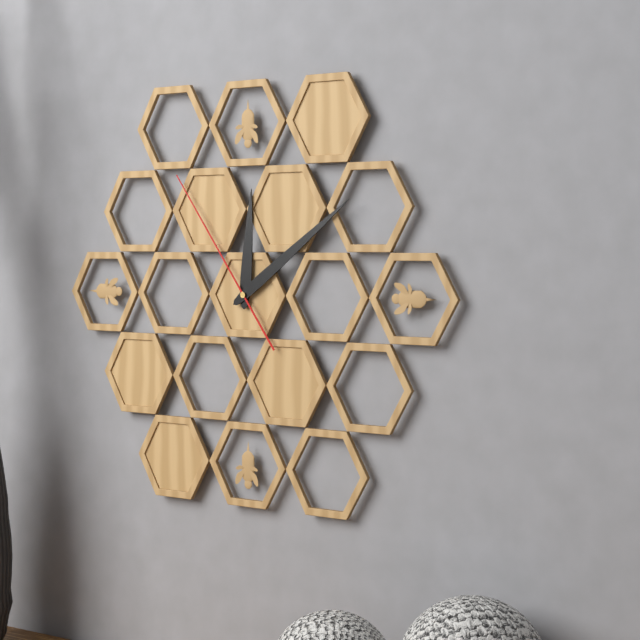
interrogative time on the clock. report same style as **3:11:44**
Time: **12:09:54**
